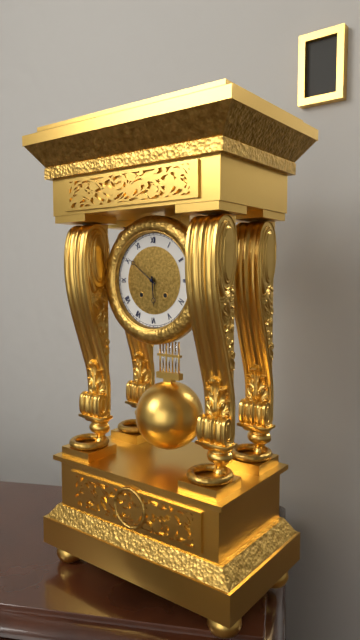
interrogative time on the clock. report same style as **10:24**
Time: **5:51**
